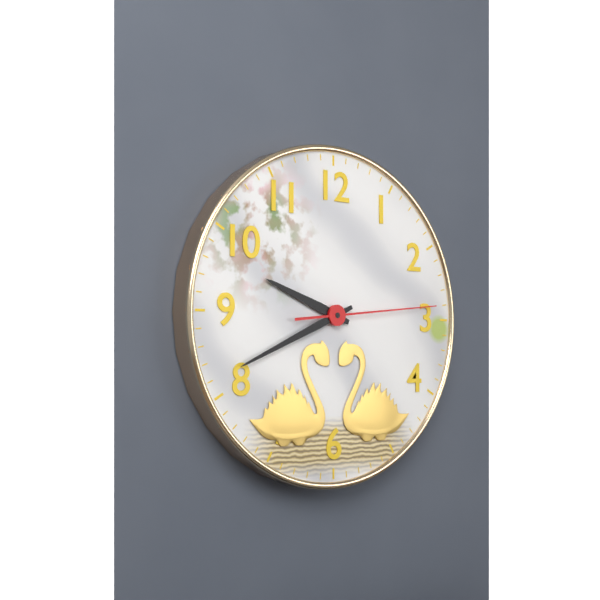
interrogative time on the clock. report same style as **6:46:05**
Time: **9:41:14**
